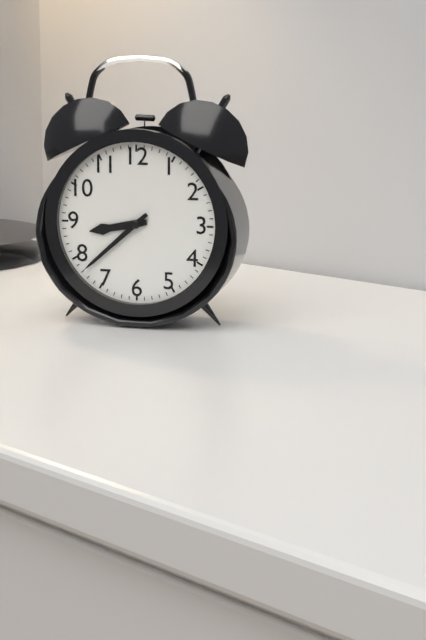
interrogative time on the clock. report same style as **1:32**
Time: **8:38**
